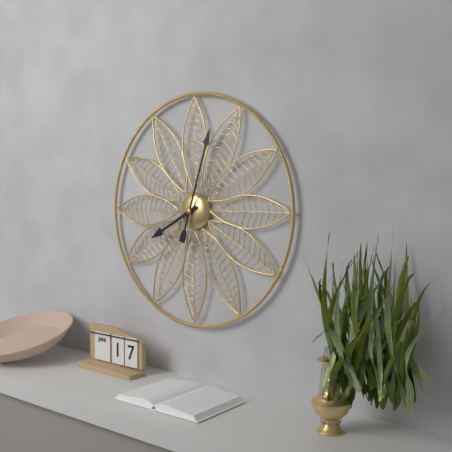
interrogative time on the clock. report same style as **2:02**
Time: **8:03**
